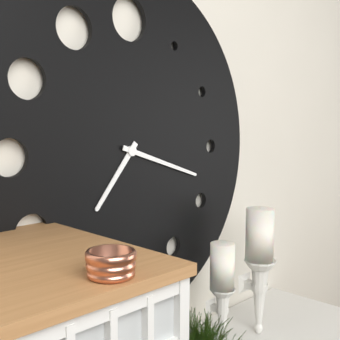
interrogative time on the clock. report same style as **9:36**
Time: **7:18**
